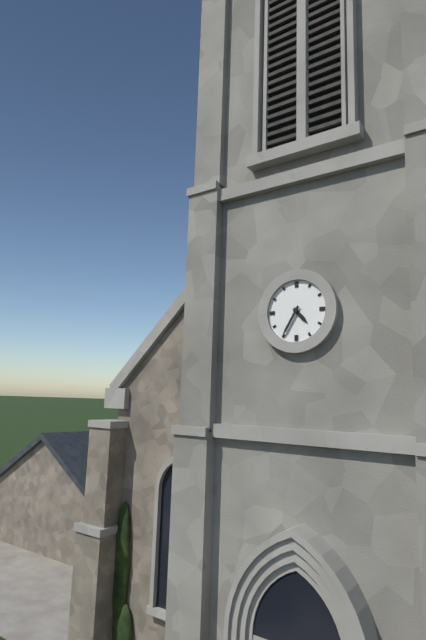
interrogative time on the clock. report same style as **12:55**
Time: **4:35**
